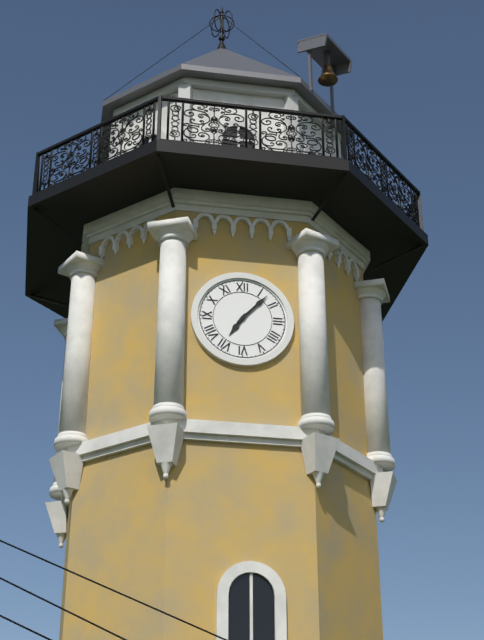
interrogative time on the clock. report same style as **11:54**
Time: **7:07**
